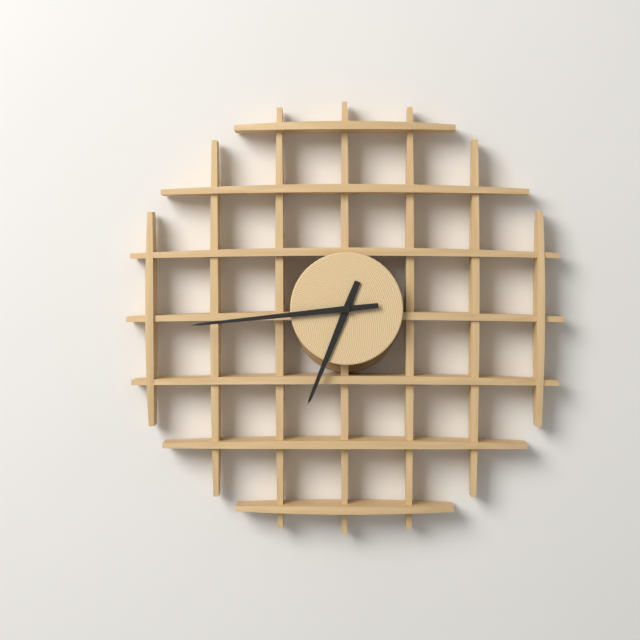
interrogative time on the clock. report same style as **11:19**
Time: **6:44**
